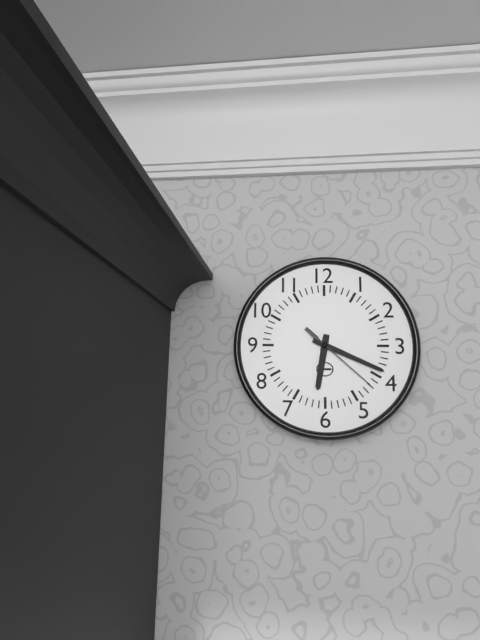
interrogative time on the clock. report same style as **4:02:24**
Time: **6:19:22**
